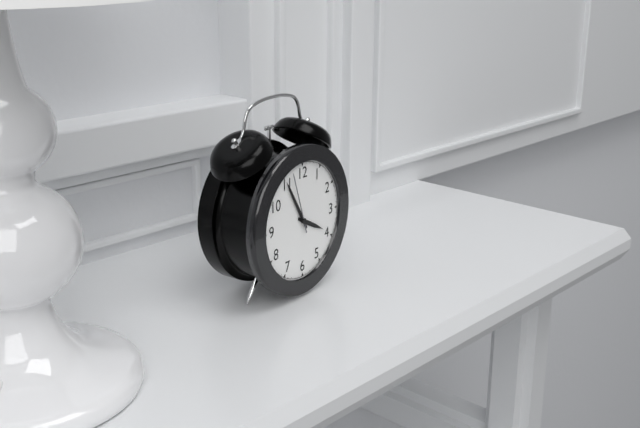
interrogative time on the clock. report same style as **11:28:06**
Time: **3:55:57**
